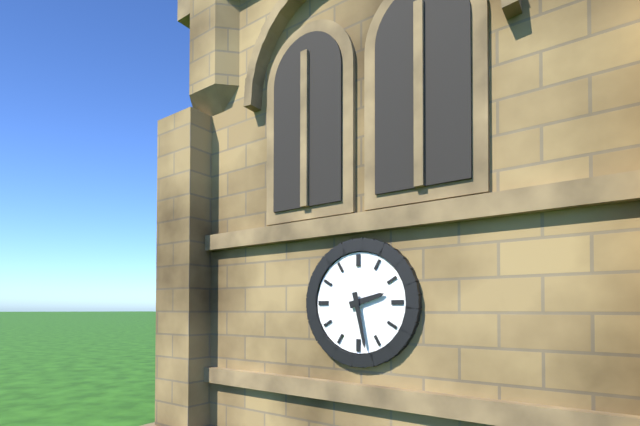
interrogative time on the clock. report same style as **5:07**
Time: **2:28**
